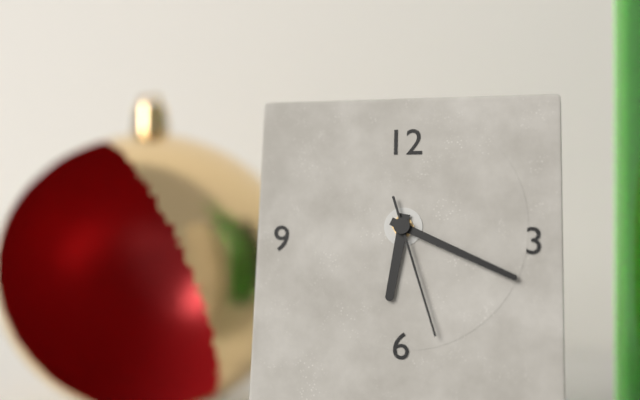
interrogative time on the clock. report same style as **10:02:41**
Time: **6:19:27**
